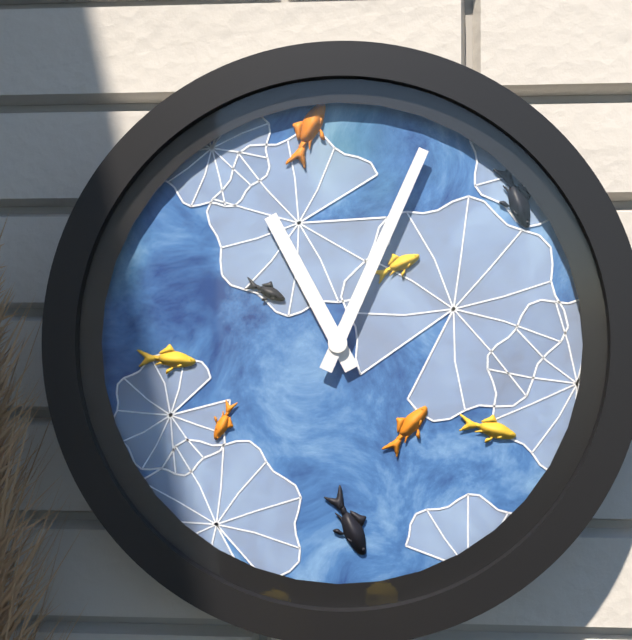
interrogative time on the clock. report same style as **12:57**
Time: **11:04**
